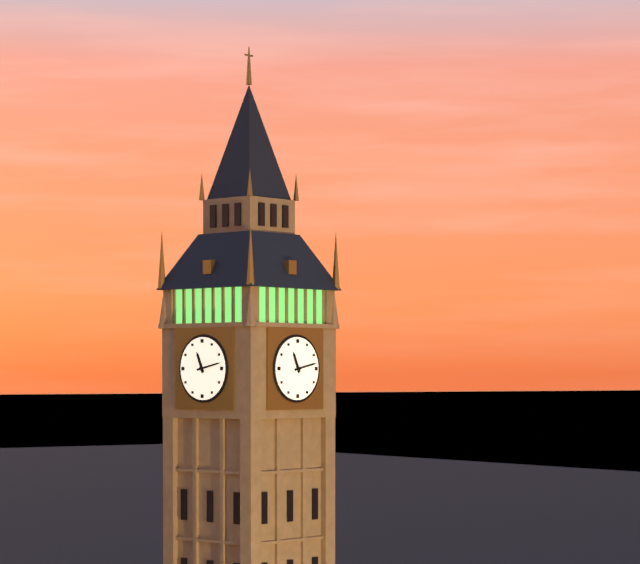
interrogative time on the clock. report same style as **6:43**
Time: **11:13**
